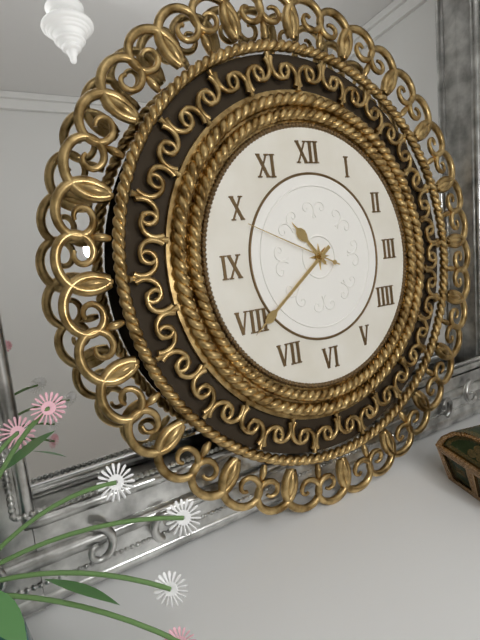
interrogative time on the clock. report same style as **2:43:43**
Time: **10:39:49**
